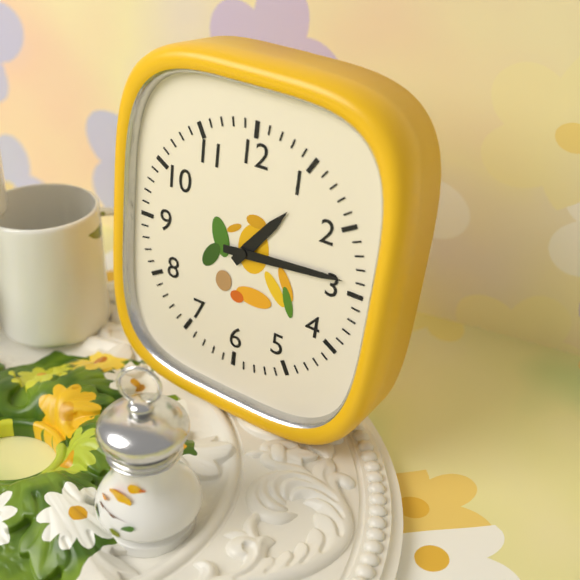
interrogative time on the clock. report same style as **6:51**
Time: **1:14**
